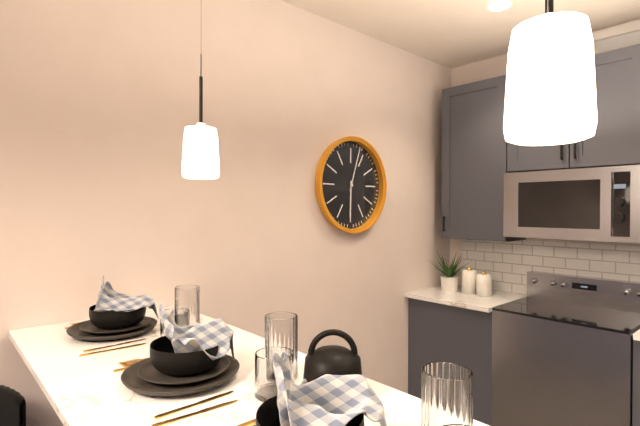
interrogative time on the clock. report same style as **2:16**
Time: **6:03**
